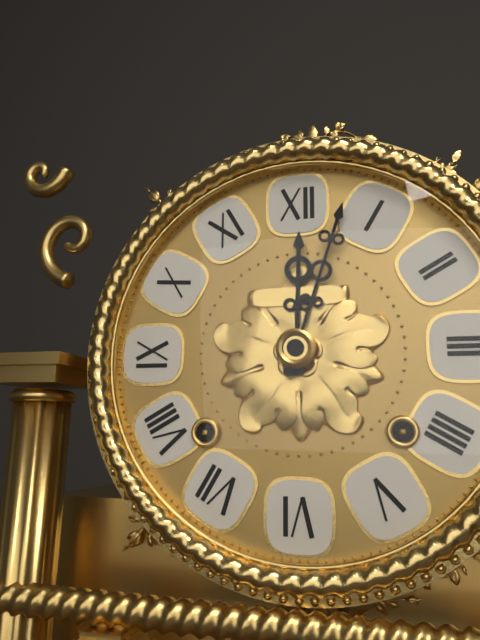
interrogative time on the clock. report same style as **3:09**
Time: **12:03**
